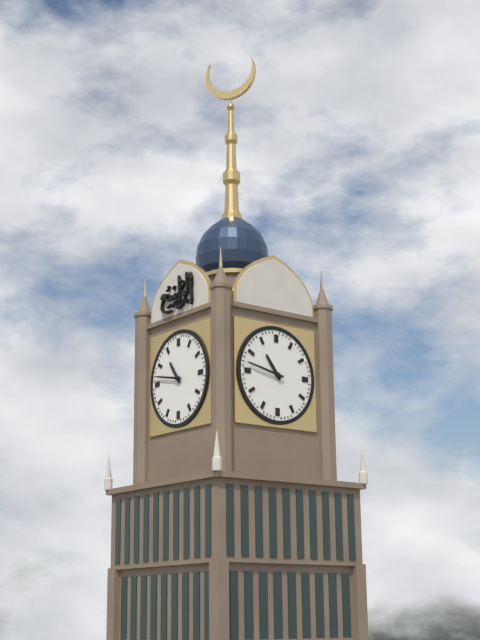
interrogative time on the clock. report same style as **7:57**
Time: **10:47**
